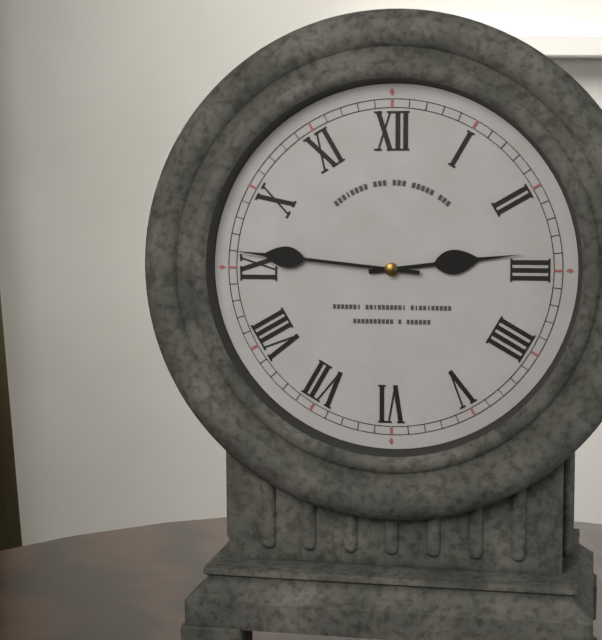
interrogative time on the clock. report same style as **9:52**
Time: **2:46**
